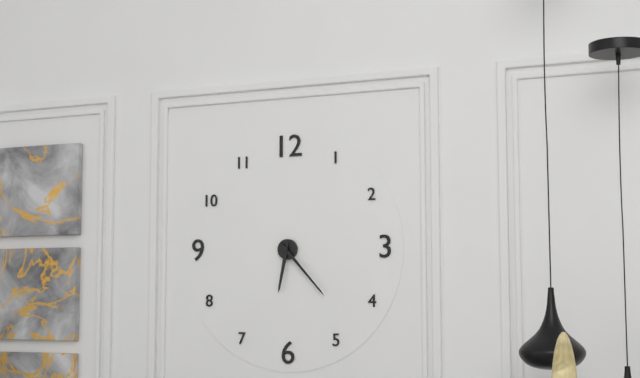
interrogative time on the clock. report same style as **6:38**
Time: **6:23**
